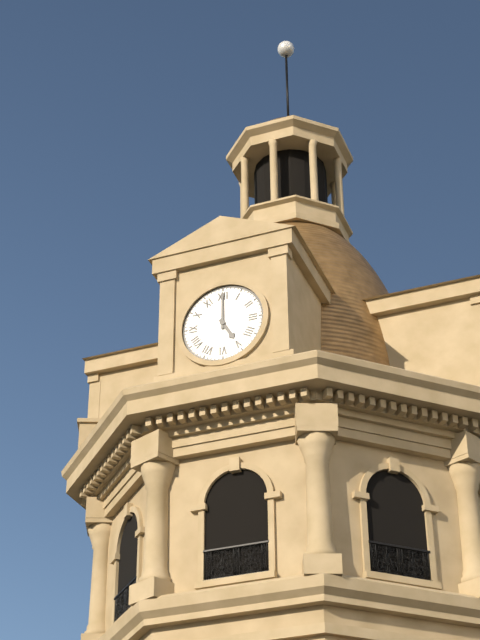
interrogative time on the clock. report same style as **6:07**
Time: **5:00**
